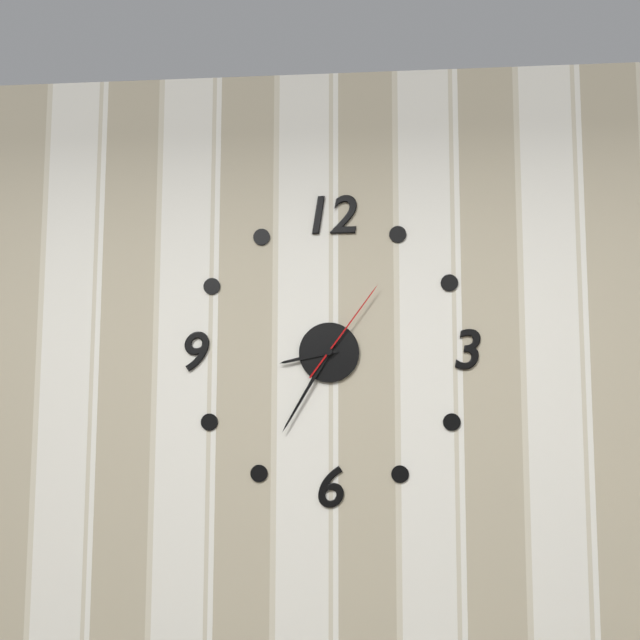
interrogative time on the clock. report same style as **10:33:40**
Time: **8:35:06**
